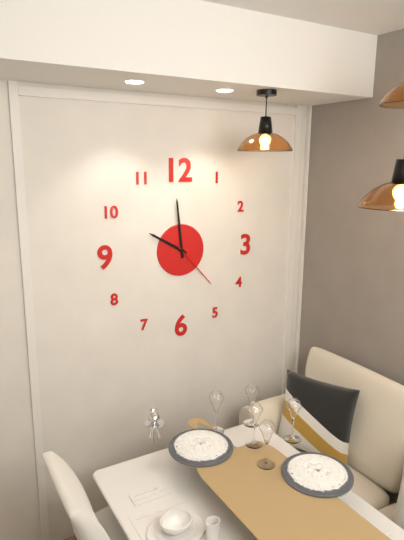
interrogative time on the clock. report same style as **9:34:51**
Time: **9:59:23**
